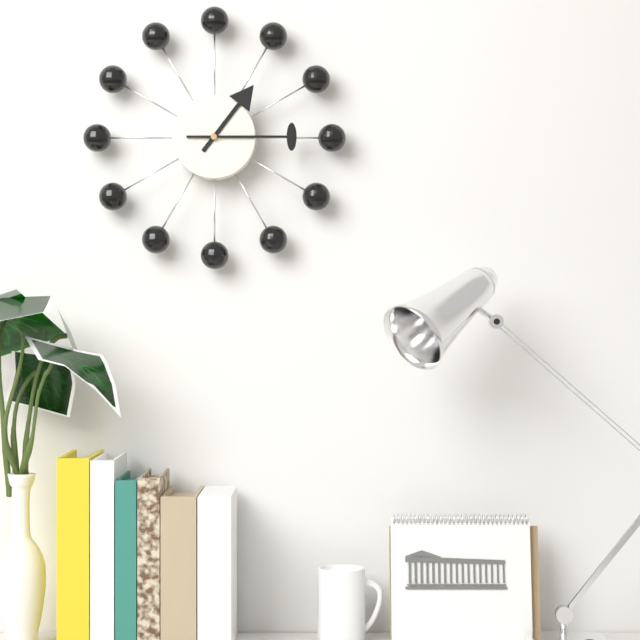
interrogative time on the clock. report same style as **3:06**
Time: **1:15**
